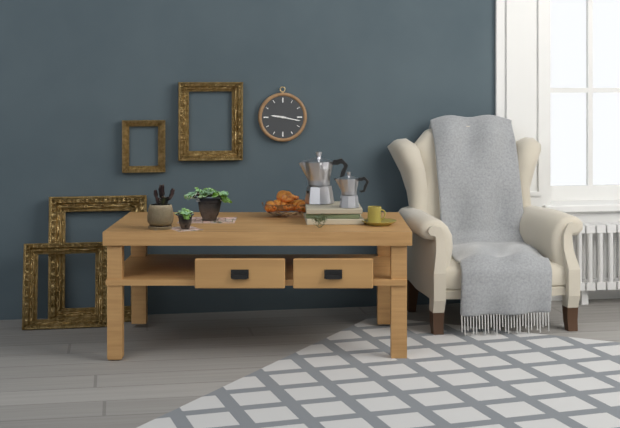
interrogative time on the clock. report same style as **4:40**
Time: **9:17**
